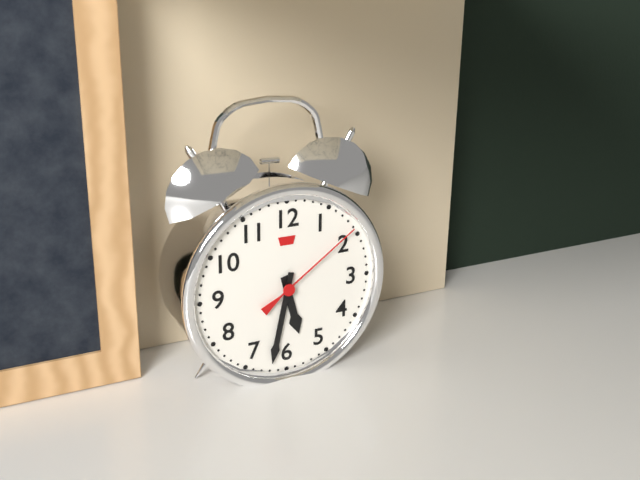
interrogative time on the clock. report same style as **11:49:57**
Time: **5:32:09**
